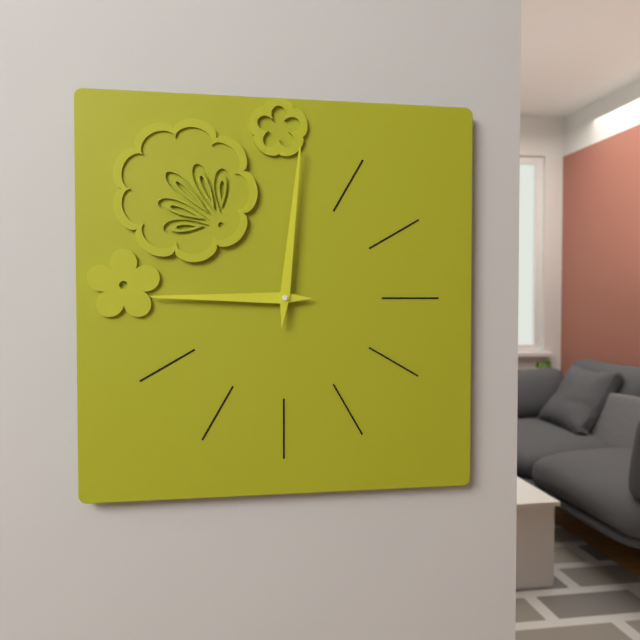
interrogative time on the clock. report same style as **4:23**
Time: **9:01**
